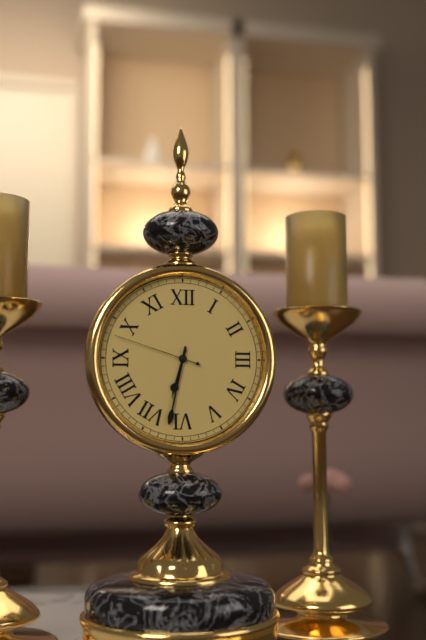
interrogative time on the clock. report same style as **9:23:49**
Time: **6:32:48**
